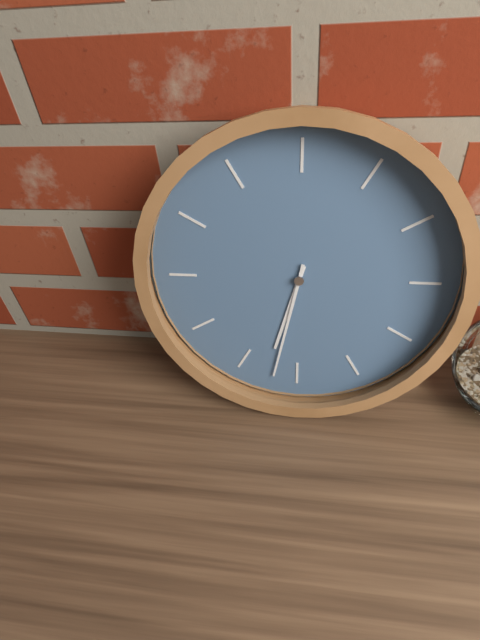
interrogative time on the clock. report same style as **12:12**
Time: **6:32**
